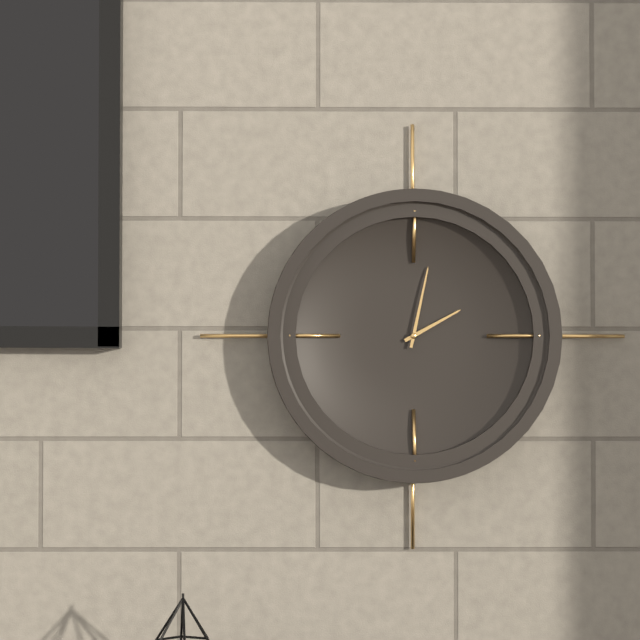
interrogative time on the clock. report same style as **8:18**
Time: **2:02**
